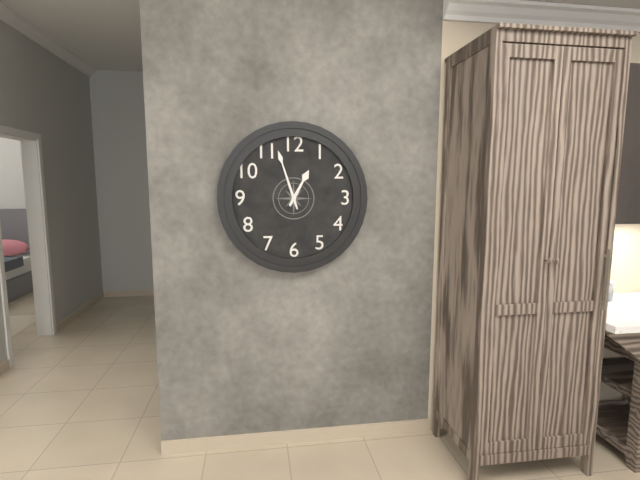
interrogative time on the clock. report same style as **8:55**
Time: **12:57**
